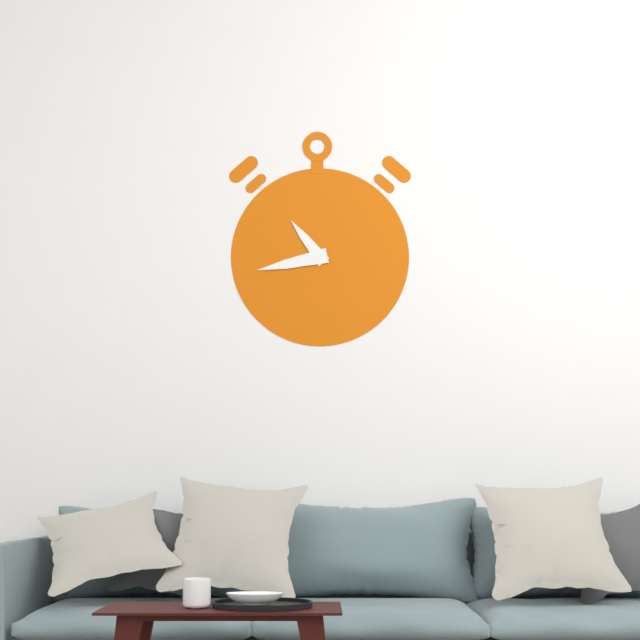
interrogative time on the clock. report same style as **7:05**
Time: **10:43**
